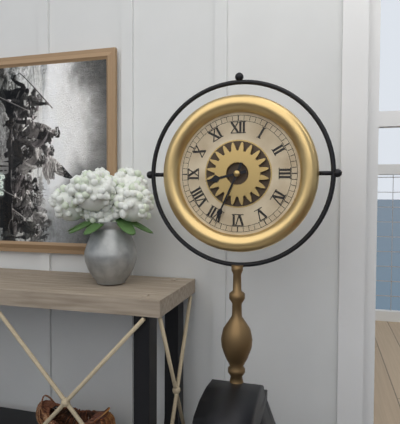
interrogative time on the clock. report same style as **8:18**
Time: **8:34**
